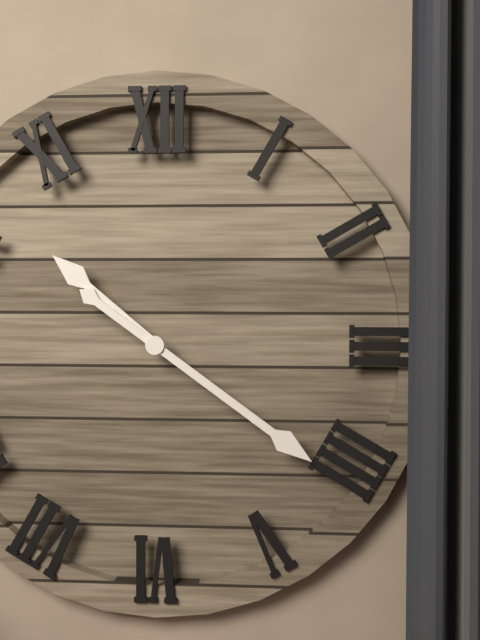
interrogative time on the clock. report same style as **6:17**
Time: **10:21**
